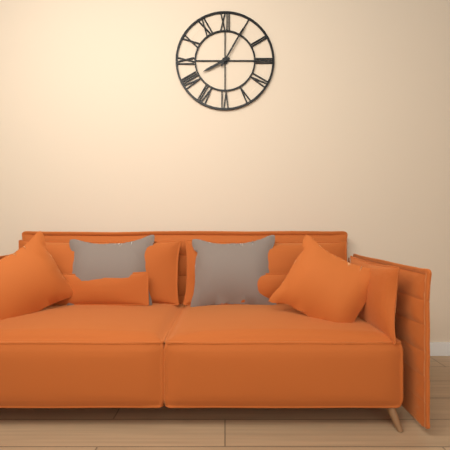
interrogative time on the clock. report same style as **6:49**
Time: **8:05**
